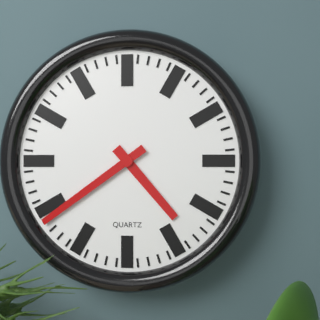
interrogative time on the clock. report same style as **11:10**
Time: **4:39**
